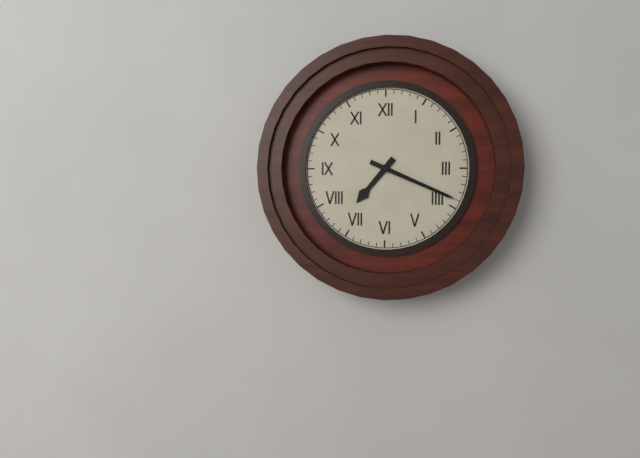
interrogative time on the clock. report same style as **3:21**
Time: **7:19**
